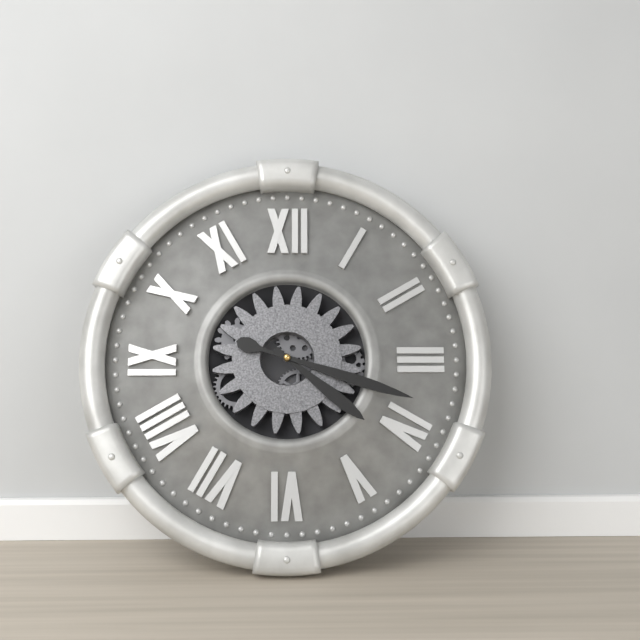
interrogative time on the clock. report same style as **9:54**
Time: **4:18**
